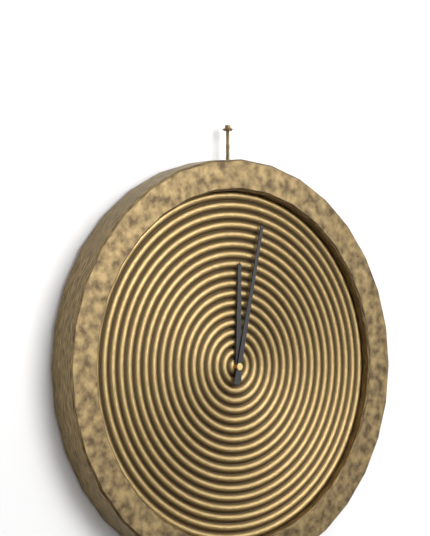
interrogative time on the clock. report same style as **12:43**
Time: **12:02**
